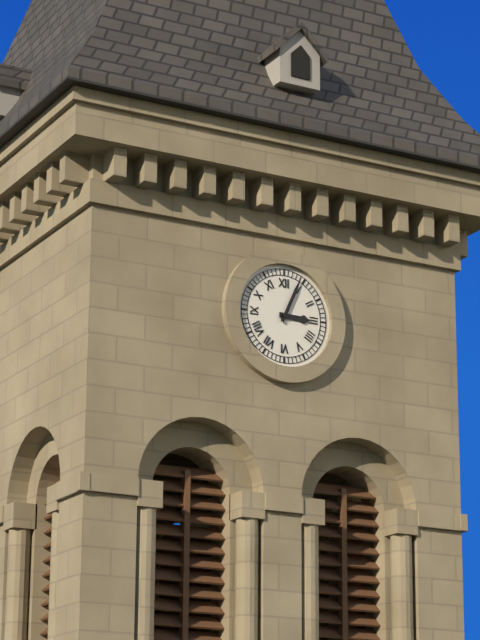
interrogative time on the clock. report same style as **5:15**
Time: **3:04**
